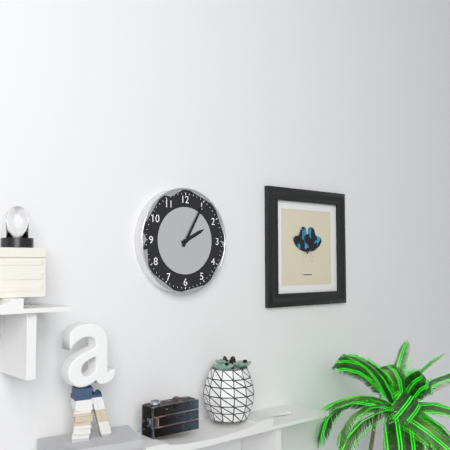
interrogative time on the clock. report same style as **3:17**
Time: **2:05**
